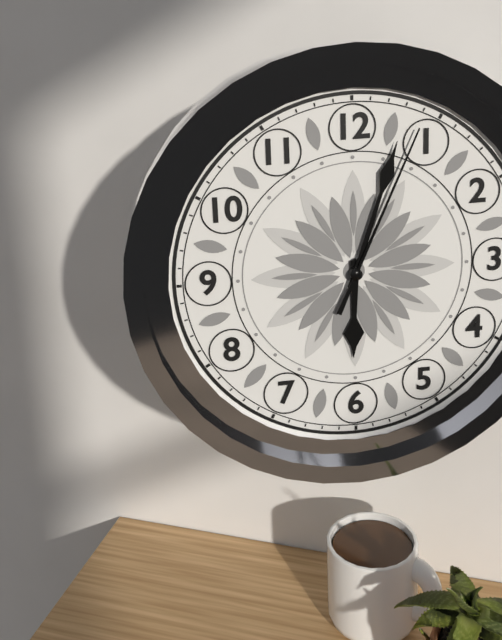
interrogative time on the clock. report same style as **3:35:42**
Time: **6:03:04**
